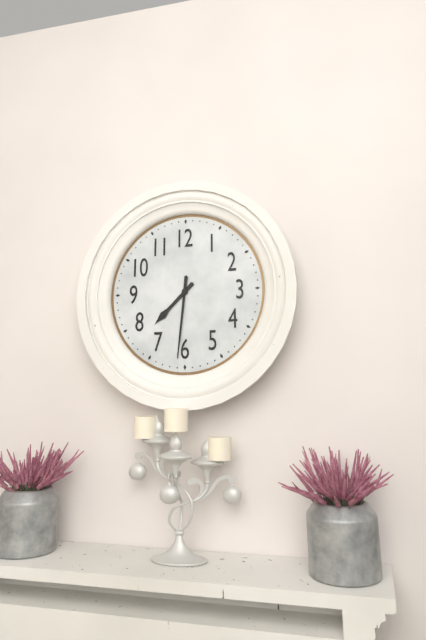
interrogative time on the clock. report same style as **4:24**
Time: **7:31**
